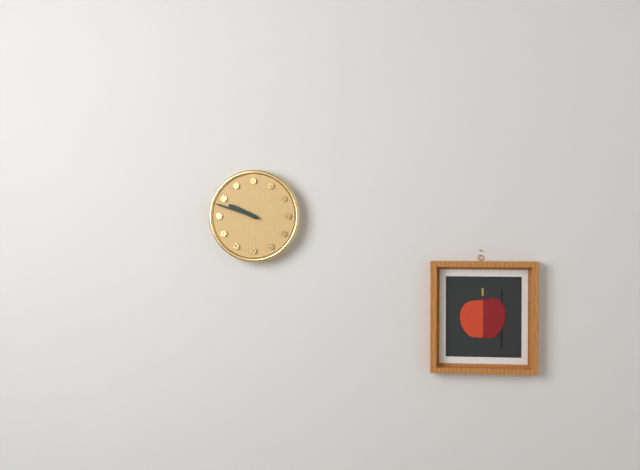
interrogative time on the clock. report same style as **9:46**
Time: **9:48**
